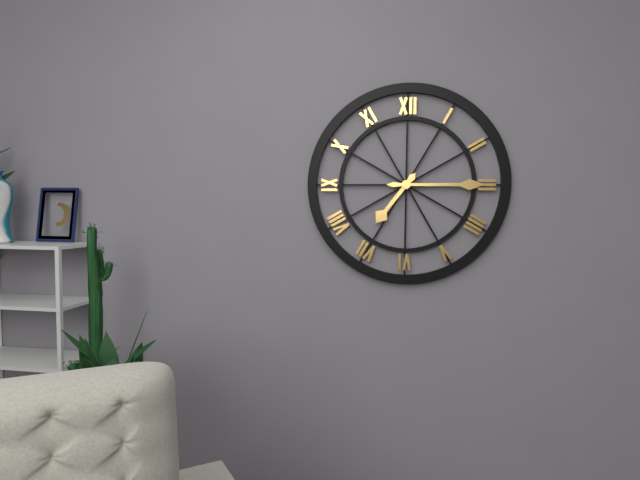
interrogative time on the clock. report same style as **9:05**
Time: **7:15**
